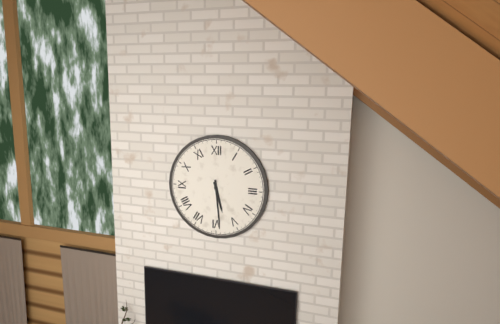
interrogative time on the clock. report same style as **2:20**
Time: **5:29**
